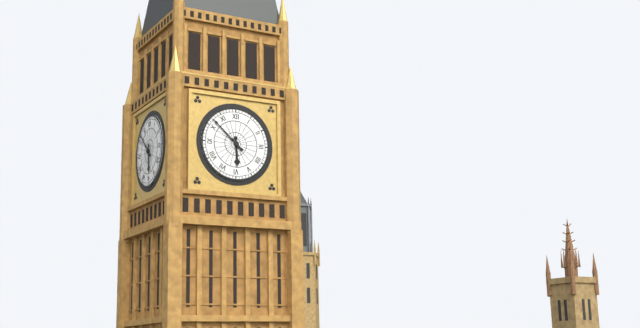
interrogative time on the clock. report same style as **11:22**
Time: **5:52**
